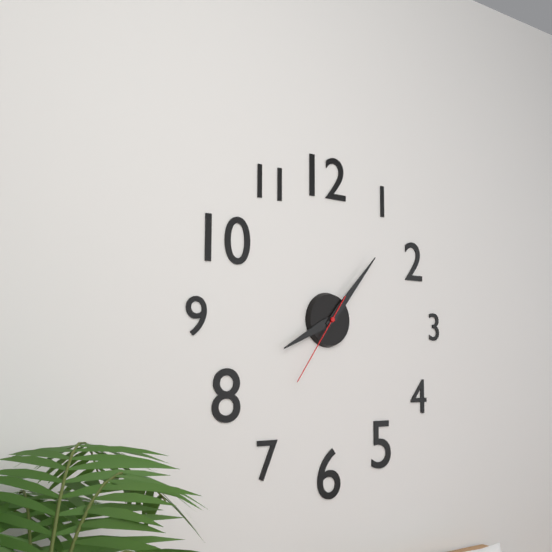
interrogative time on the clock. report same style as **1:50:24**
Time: **8:07:36**
